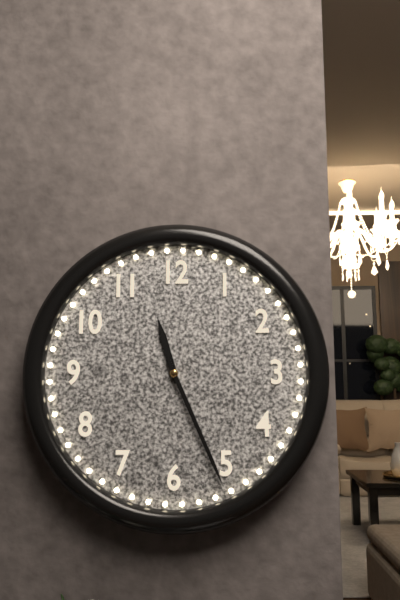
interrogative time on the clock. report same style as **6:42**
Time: **11:26**
